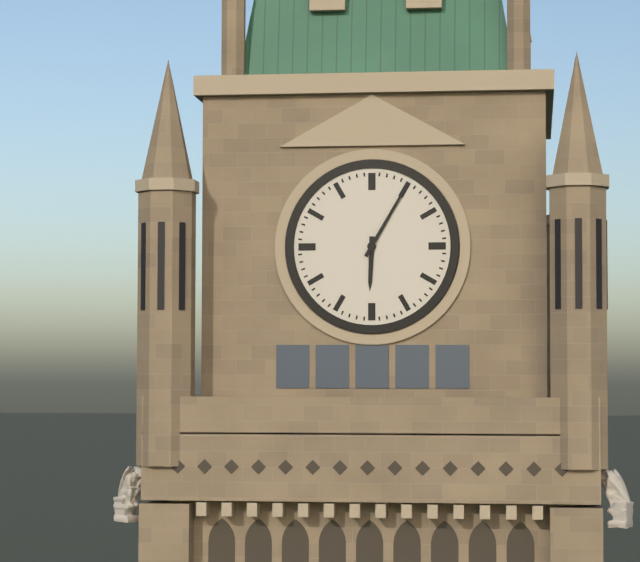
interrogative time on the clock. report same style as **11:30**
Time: **6:05**
